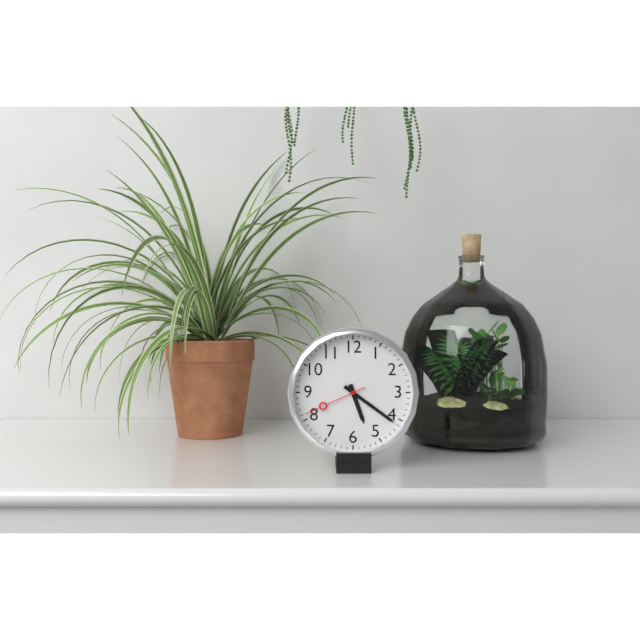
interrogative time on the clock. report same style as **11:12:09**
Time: **5:21:41**
